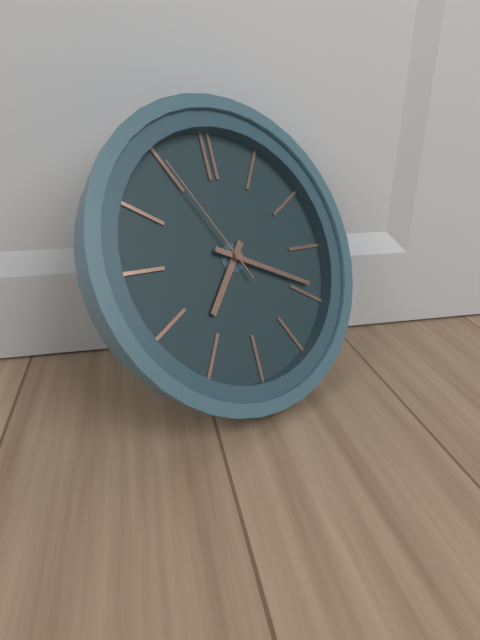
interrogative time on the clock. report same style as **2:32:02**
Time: **7:19:55**
